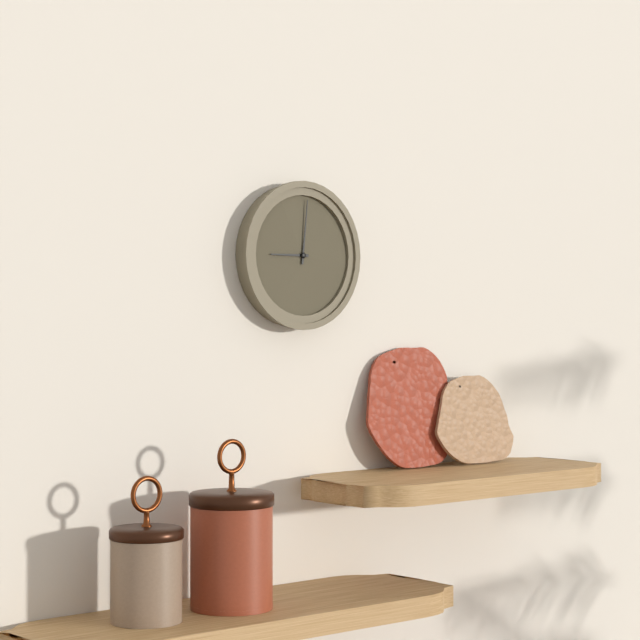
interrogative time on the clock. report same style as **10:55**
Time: **9:01**
